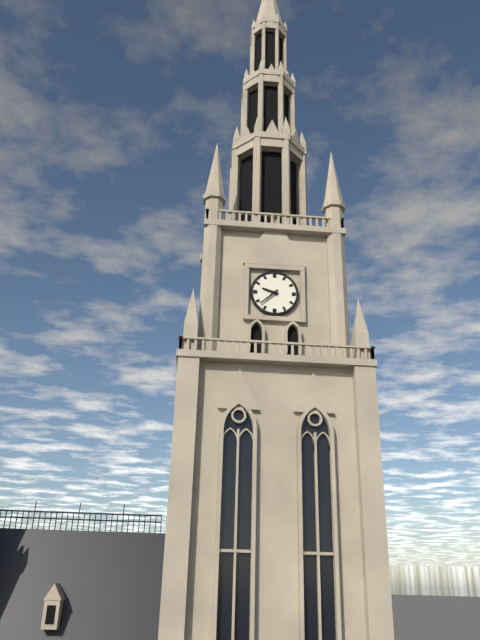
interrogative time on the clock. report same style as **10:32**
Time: **9:38**
